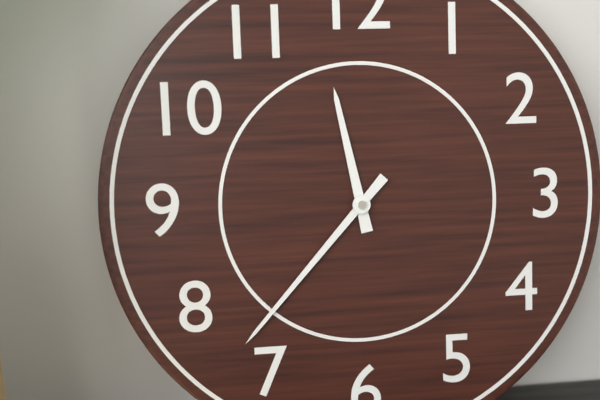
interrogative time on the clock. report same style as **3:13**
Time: **11:37**
